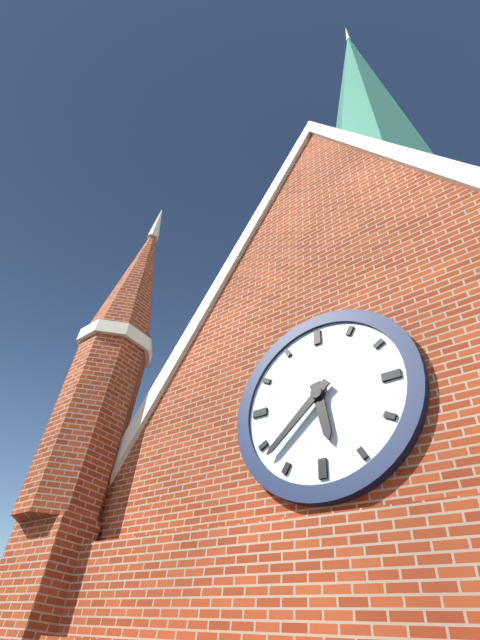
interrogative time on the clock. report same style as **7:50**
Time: **5:38**
